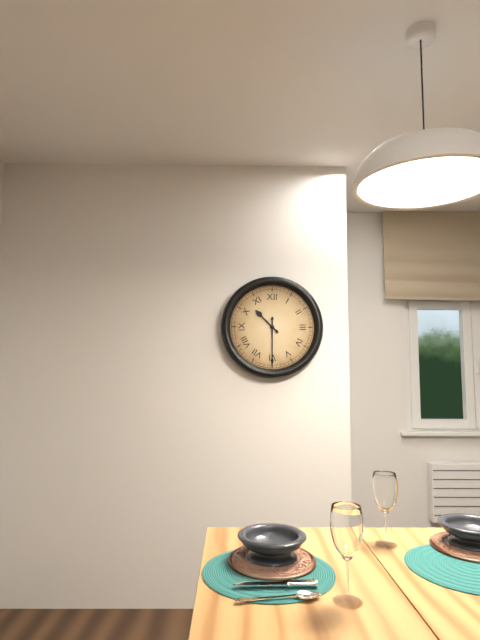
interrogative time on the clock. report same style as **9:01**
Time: **10:30**
